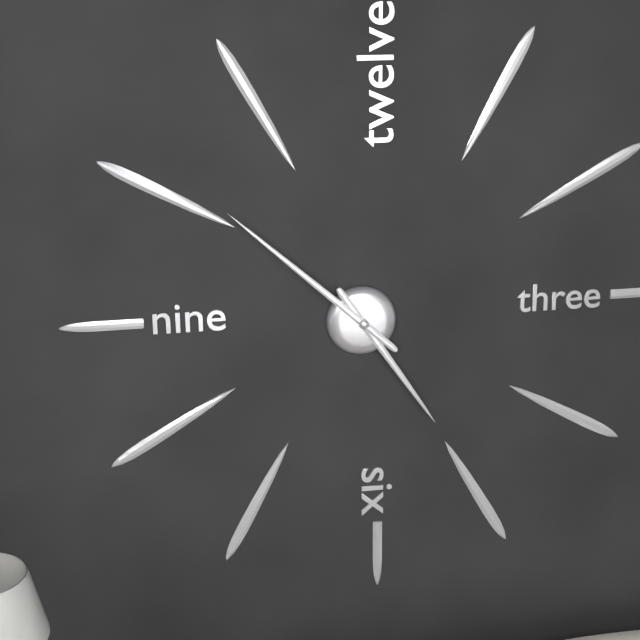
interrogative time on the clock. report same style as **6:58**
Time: **4:52**
